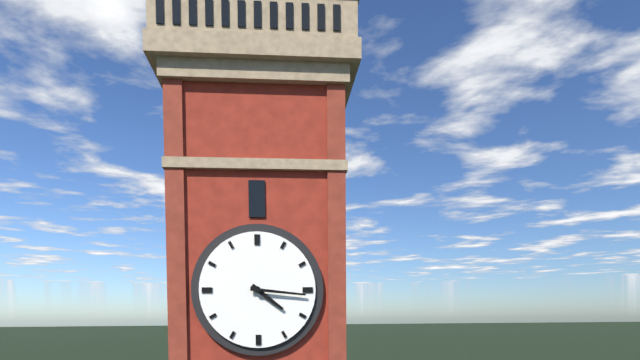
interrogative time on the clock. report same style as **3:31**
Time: **4:16**
